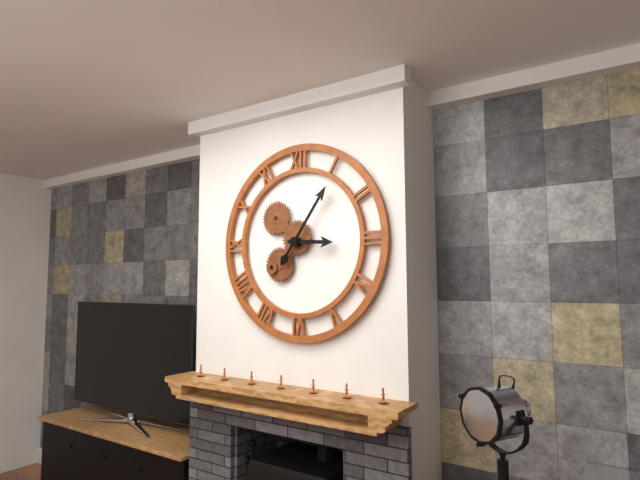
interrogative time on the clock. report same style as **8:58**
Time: **3:06**
